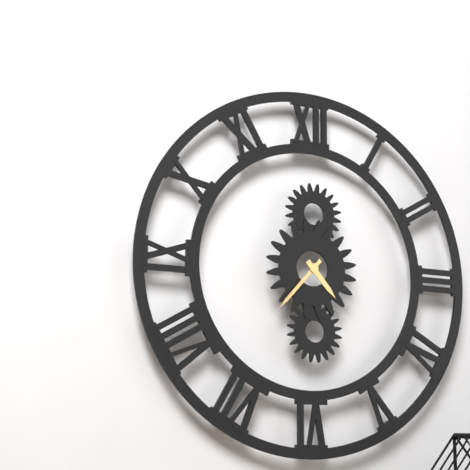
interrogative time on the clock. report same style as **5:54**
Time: **4:37**
